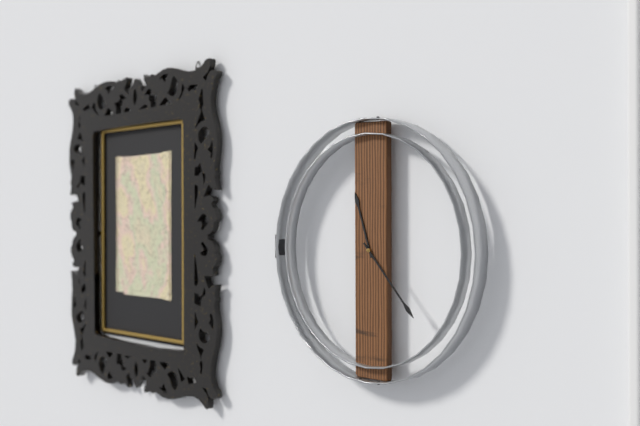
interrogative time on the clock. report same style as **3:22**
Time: **11:23**
